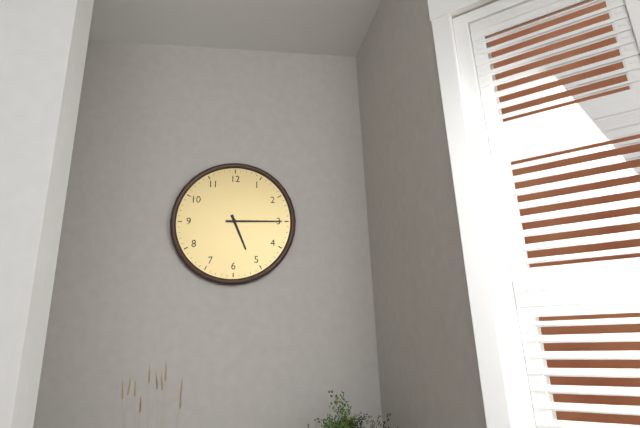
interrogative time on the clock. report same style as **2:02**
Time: **5:15**
